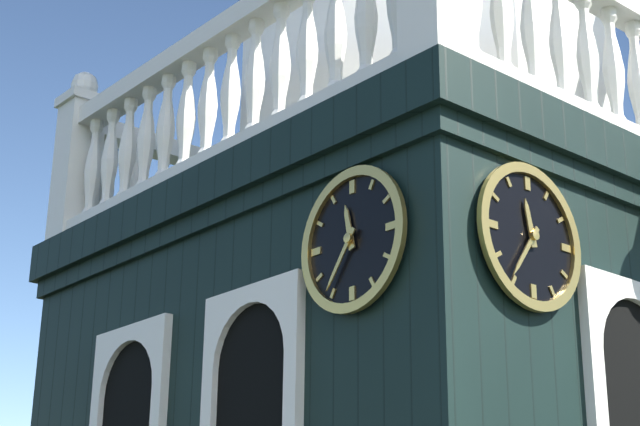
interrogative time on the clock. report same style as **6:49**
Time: **11:36**
